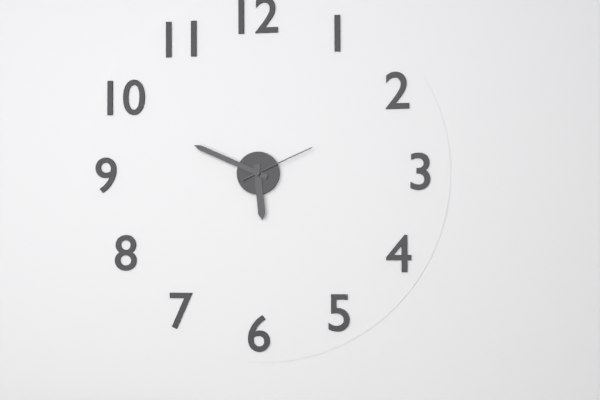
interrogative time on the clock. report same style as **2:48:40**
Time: **5:49:11**
